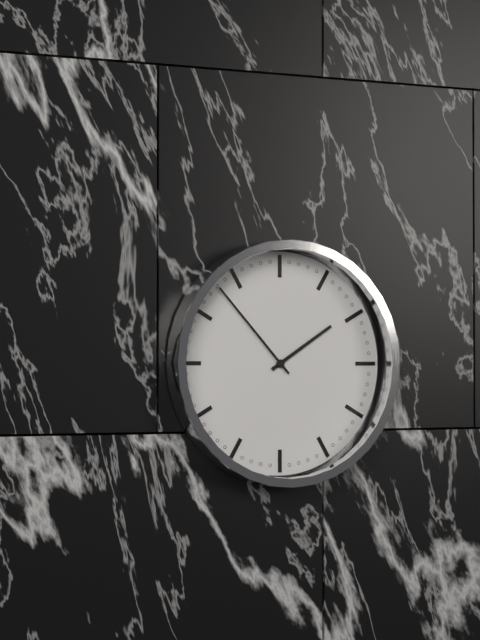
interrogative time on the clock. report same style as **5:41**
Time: **1:53**
